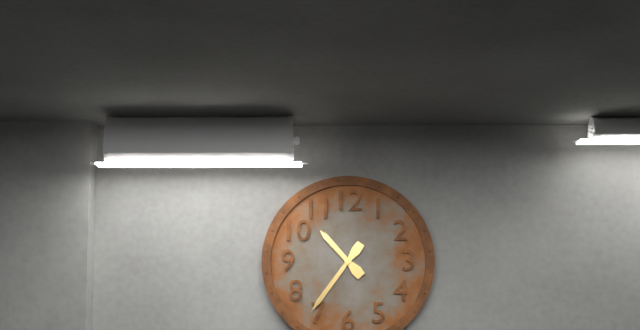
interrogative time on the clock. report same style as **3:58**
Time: **10:36**
